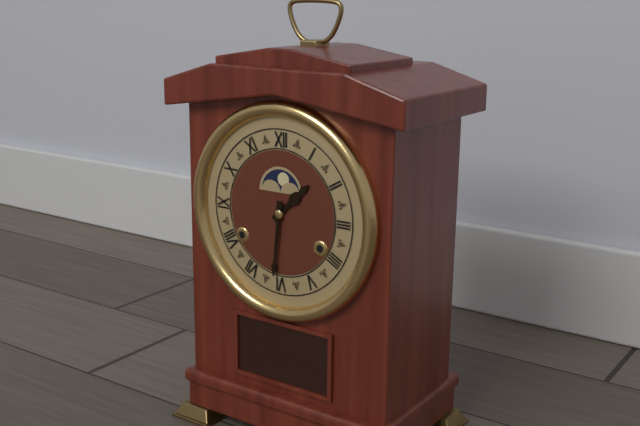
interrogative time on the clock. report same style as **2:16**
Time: **1:31**
